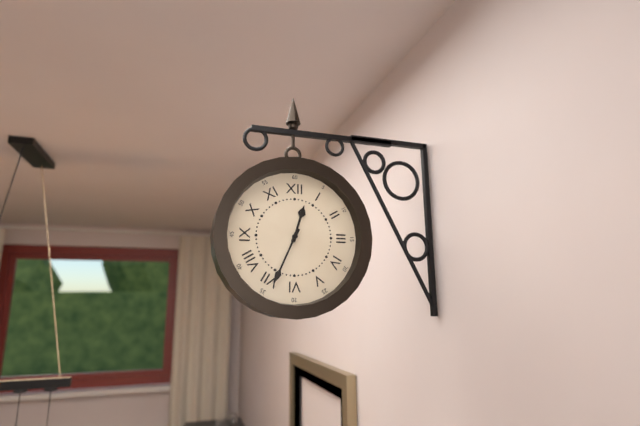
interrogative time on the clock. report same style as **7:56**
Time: **12:34**
